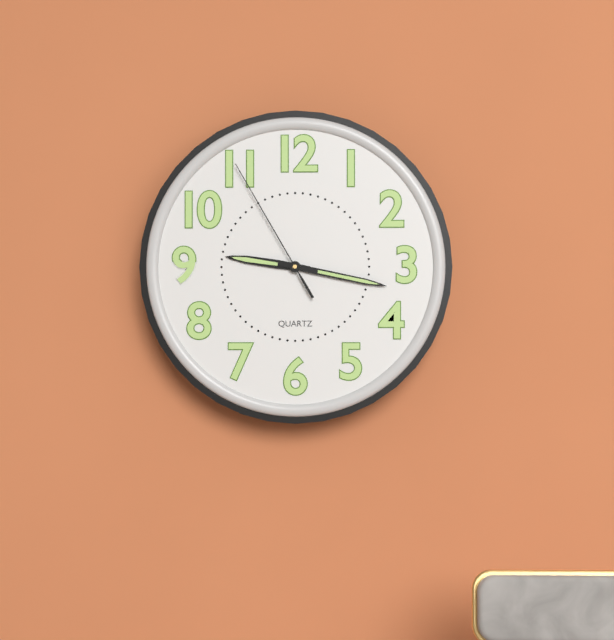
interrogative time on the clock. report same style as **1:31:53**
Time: **9:17:55**
